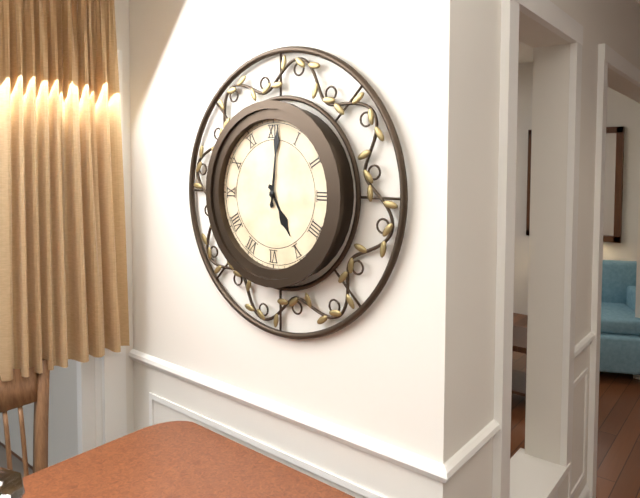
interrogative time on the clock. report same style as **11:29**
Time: **5:01**
